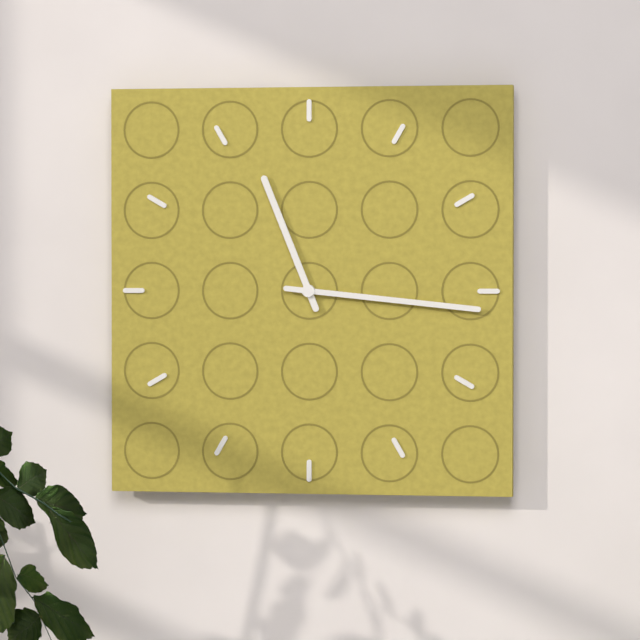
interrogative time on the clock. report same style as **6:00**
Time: **11:16**
